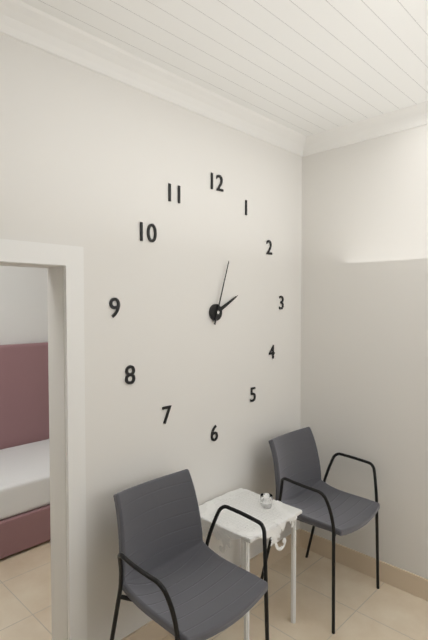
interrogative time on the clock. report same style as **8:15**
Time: **2:03**
